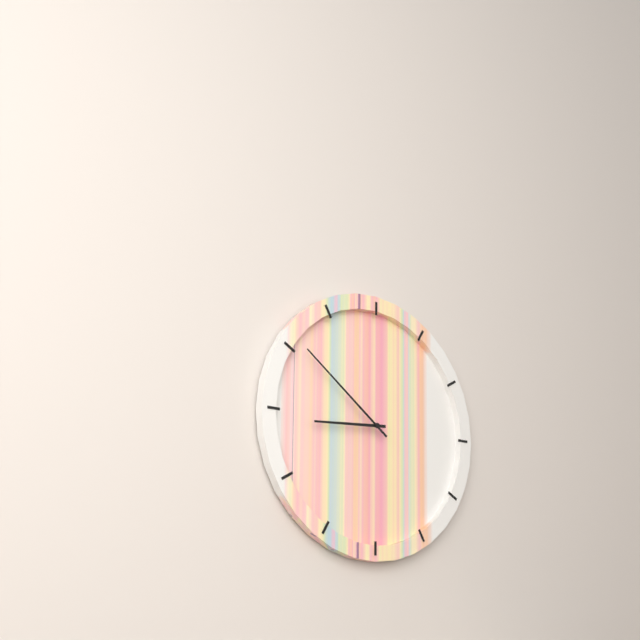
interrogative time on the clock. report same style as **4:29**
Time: **8:51**
